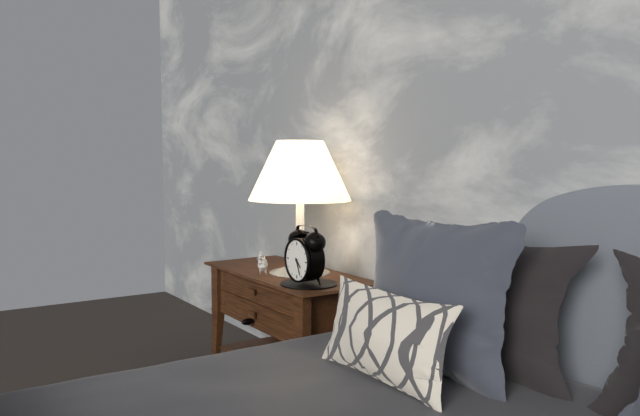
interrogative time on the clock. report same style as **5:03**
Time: **4:26**
